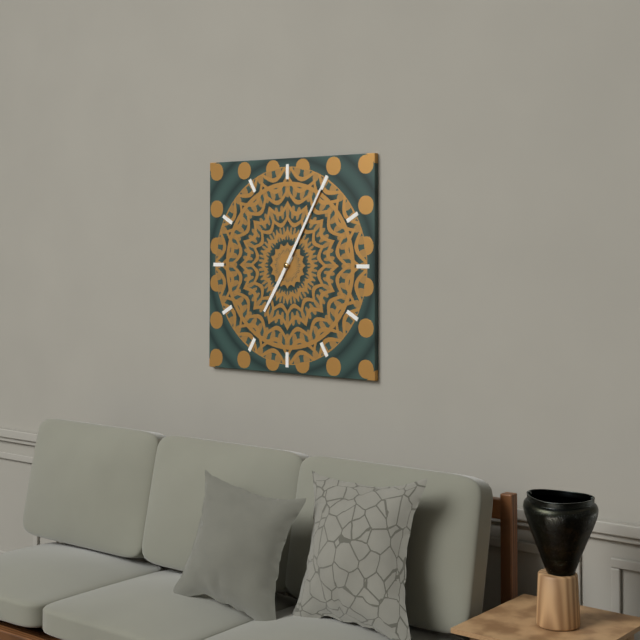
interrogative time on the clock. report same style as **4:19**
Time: **7:05**
